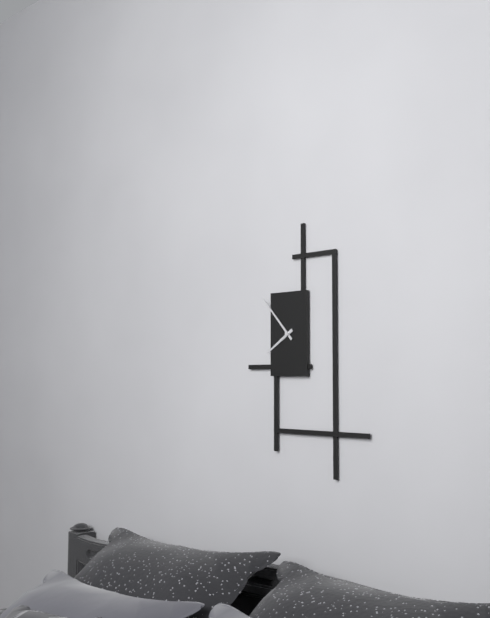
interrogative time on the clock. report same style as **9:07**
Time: **7:53**
